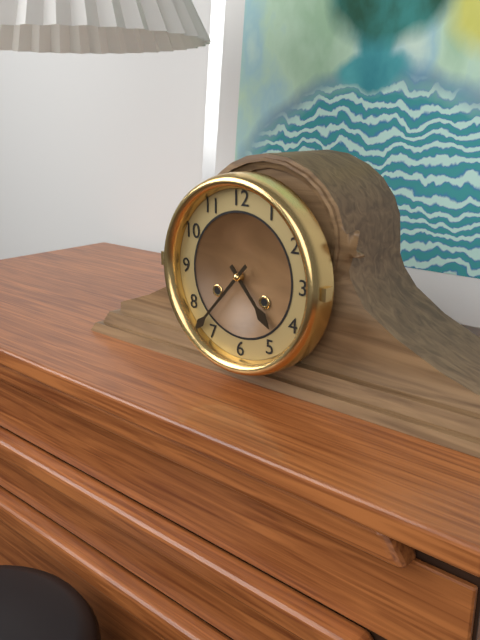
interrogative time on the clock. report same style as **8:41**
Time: **4:37**
